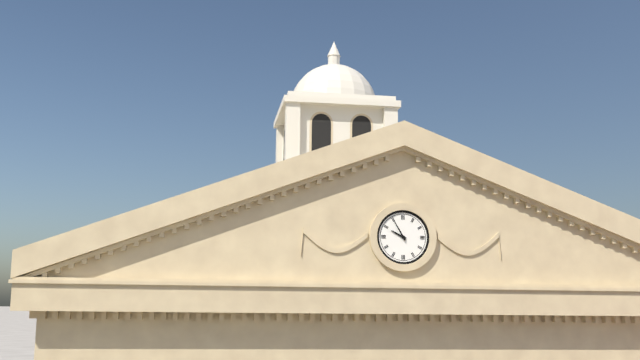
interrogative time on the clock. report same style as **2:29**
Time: **9:55**
